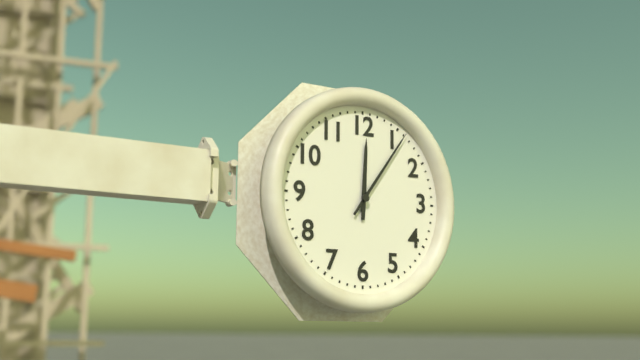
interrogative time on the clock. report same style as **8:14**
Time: **12:06**
